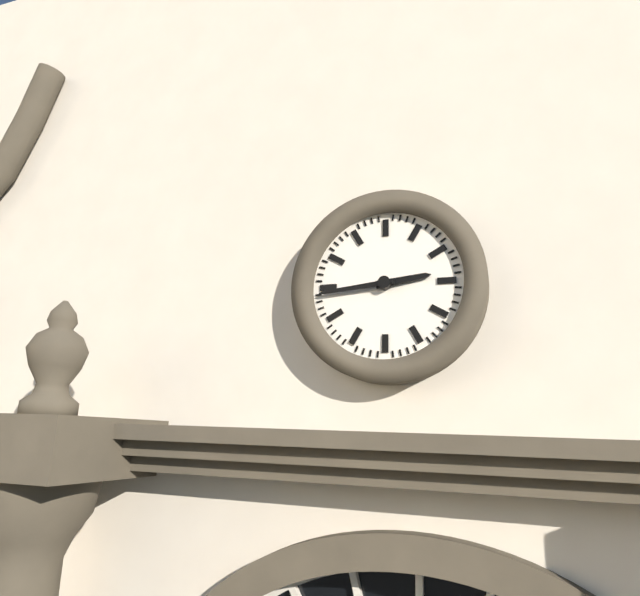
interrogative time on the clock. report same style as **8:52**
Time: **2:44**
